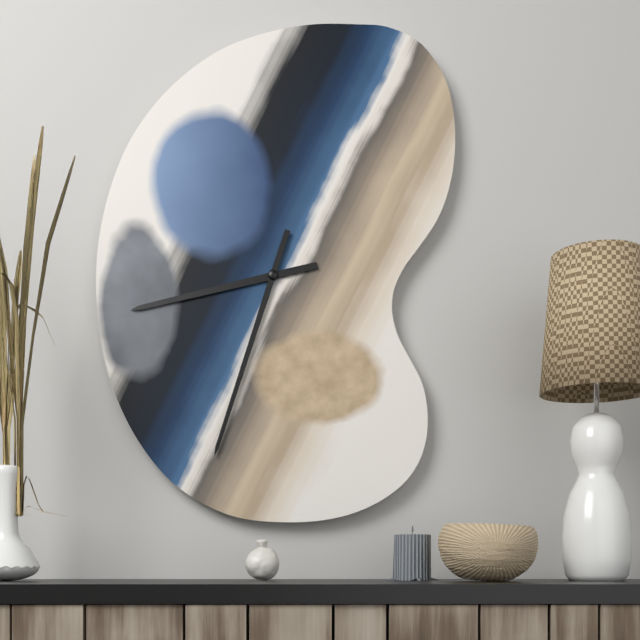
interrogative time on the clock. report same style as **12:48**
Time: **8:33**
